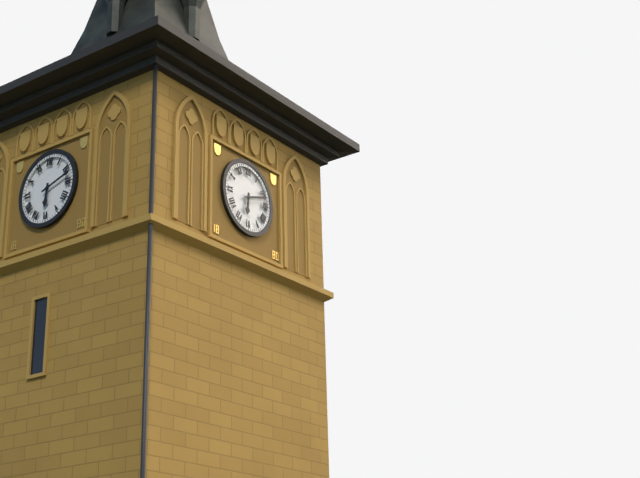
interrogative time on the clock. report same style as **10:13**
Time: **6:12**
